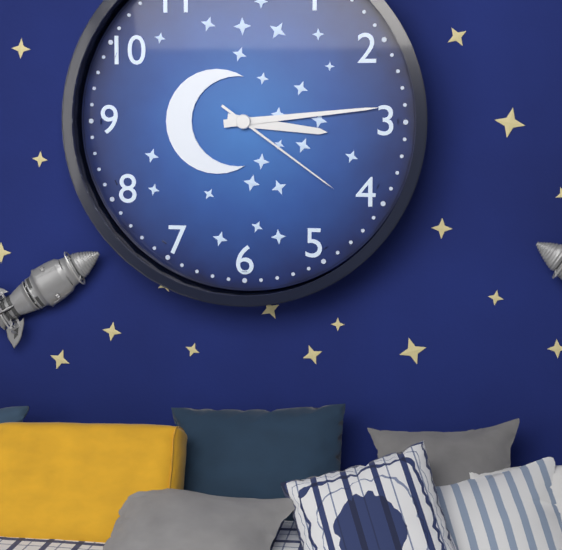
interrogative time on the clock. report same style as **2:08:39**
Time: **3:14:21**
